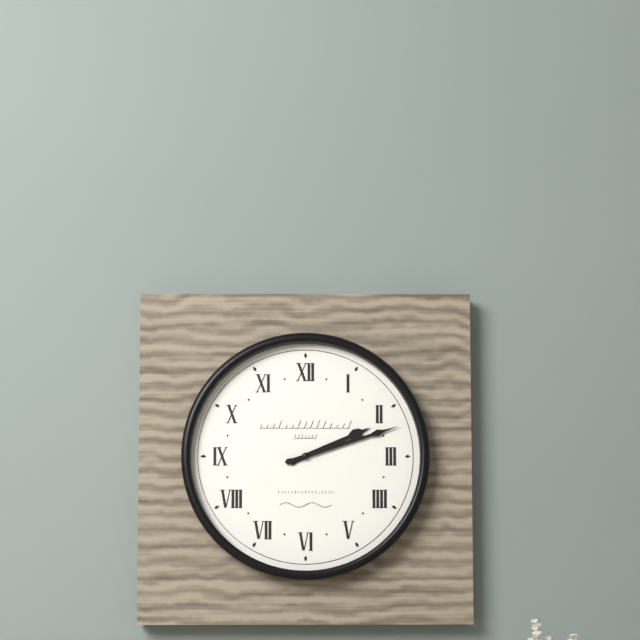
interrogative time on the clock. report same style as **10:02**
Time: **2:12**
